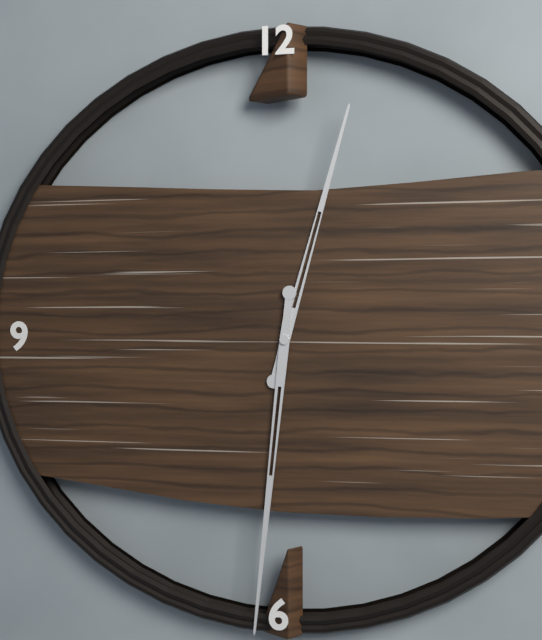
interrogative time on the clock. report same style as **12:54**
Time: **12:31**
